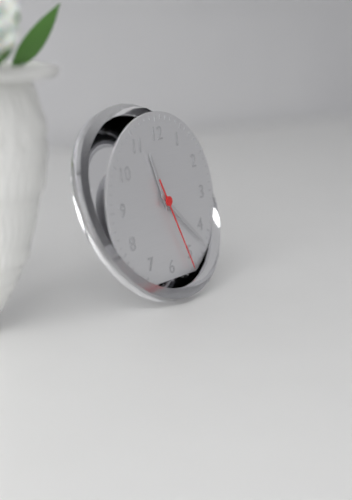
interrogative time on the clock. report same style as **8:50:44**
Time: **11:22:26**
